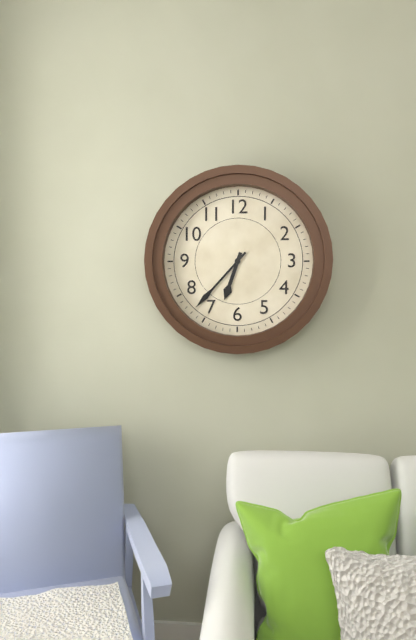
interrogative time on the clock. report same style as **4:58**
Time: **6:37**
